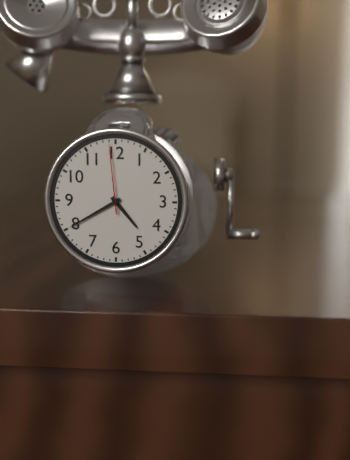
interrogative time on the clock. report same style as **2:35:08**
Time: **4:40:59**
